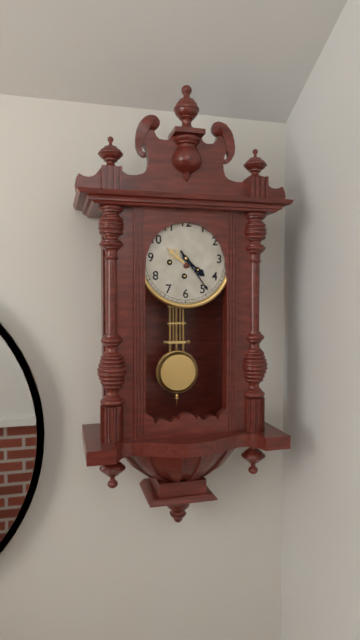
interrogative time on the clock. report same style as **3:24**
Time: **4:24**
